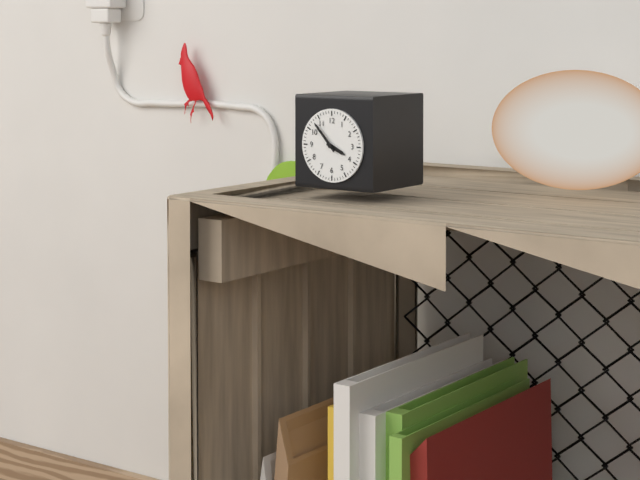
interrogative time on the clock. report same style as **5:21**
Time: **3:53**
